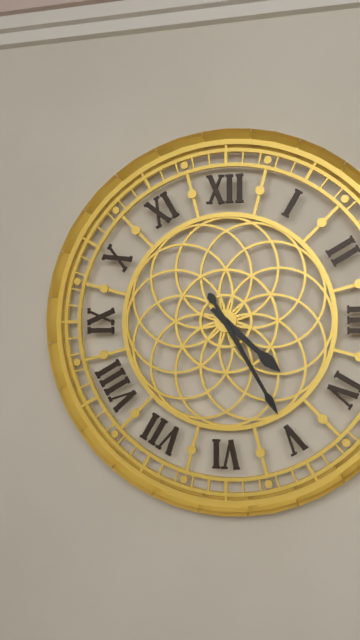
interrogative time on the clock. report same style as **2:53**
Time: **4:25**
